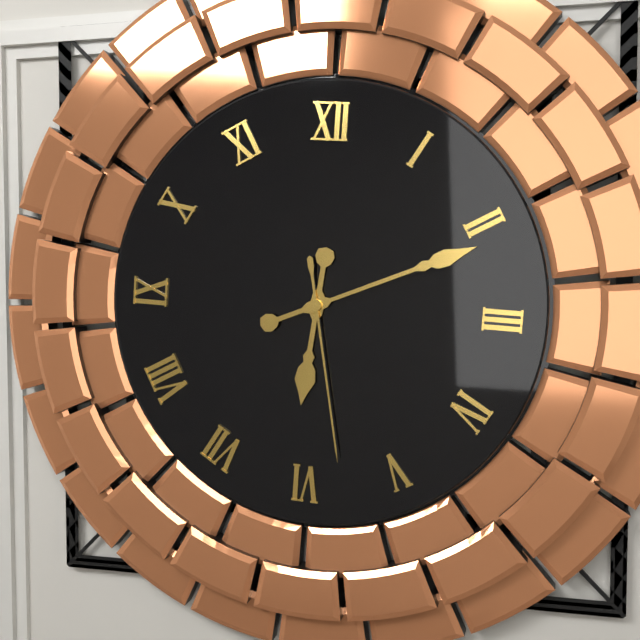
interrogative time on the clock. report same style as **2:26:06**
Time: **6:11:28**
